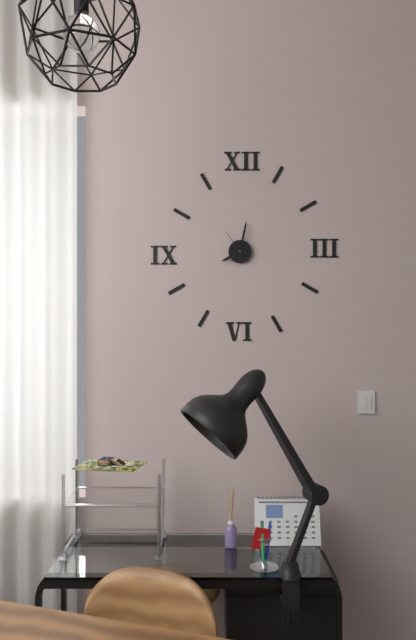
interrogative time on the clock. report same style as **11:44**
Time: **8:02**
